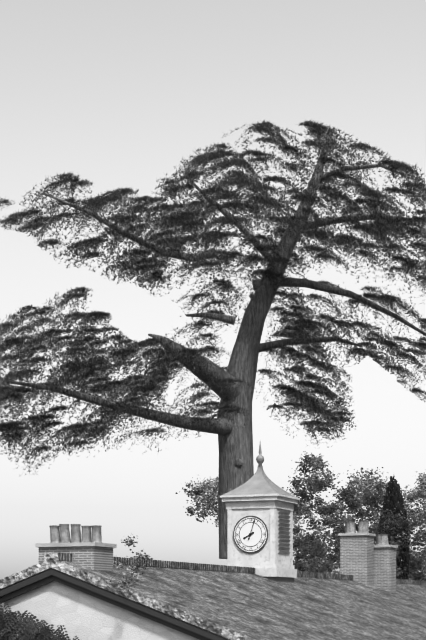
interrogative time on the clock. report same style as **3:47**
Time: **8:03**
